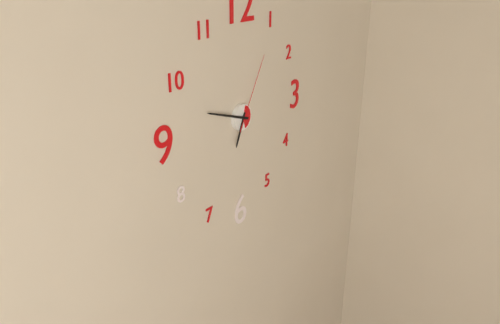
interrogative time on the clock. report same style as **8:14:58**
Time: **6:48:05**
